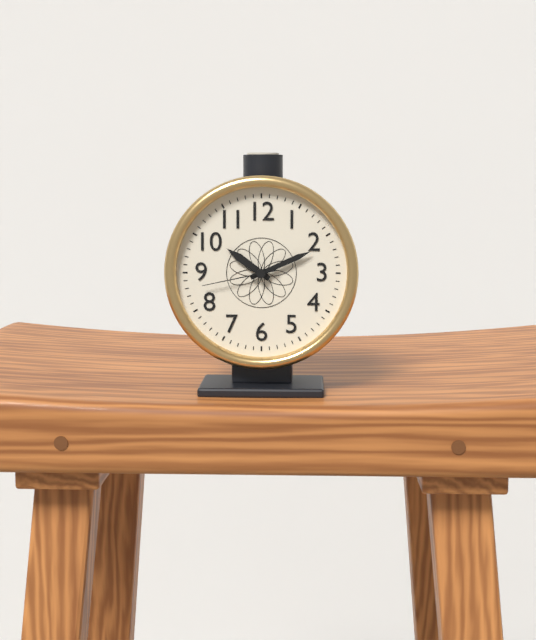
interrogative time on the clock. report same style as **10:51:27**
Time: **10:11:43**
